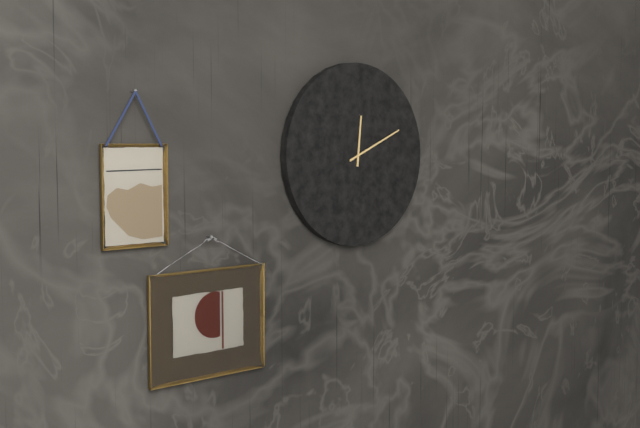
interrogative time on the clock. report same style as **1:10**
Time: **12:11**
